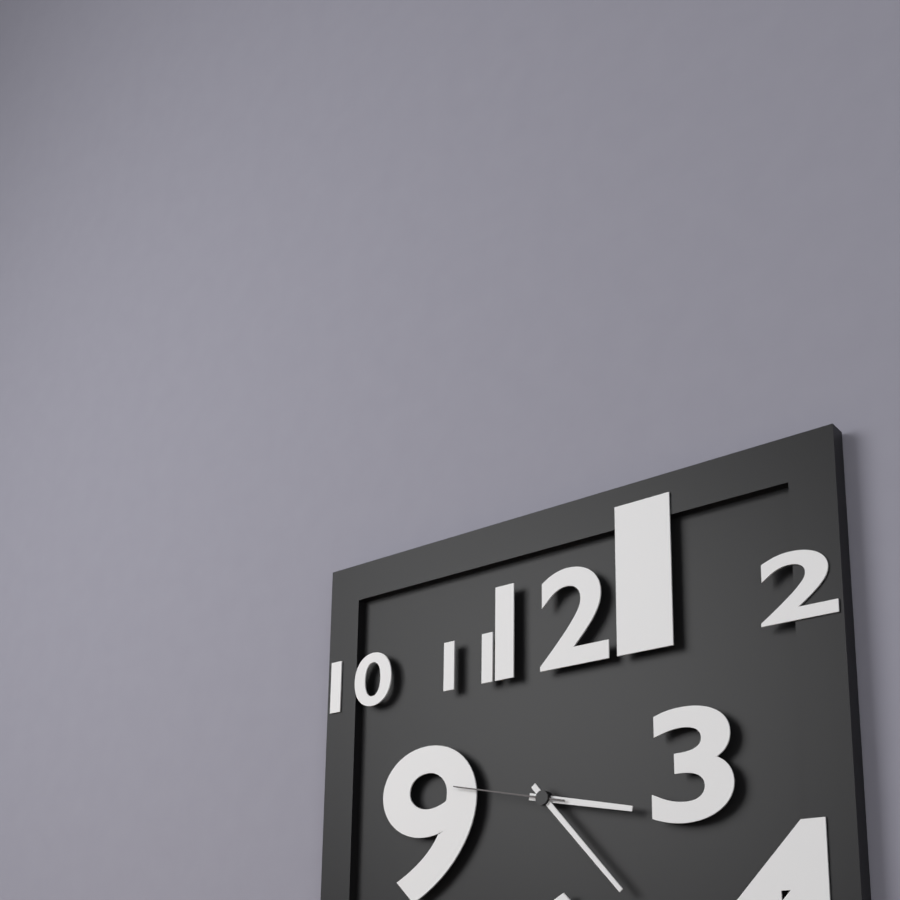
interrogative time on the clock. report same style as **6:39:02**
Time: **3:23:47**
